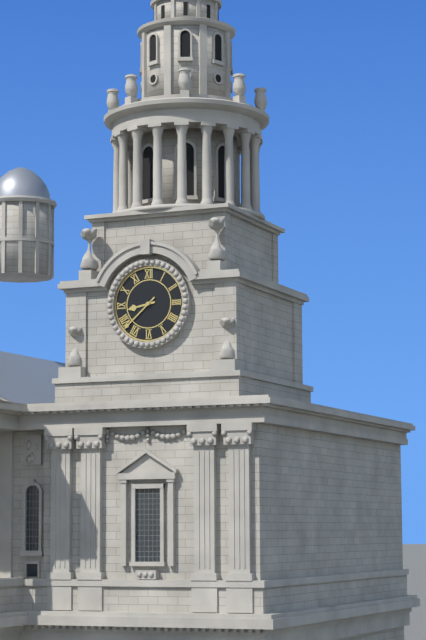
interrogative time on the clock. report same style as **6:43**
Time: **8:38**
